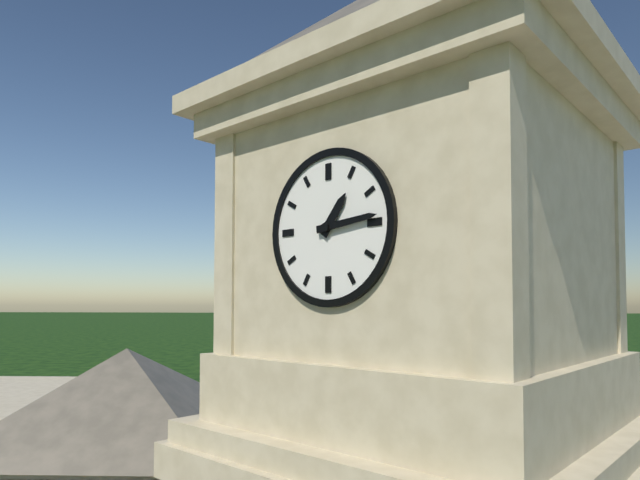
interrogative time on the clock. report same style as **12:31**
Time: **1:14**
